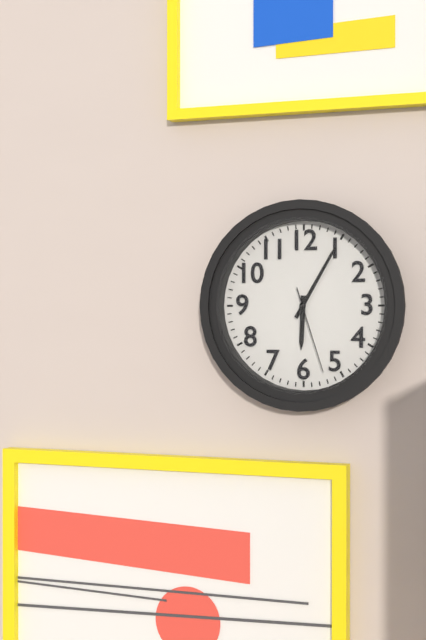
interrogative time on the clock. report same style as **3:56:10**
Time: **6:05:27**
